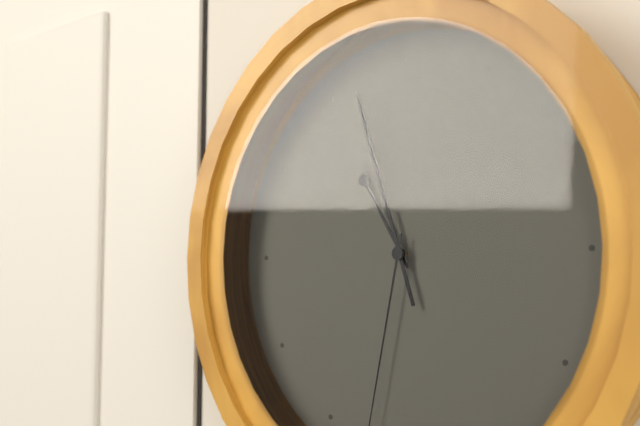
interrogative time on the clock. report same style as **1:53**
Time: **10:57**
